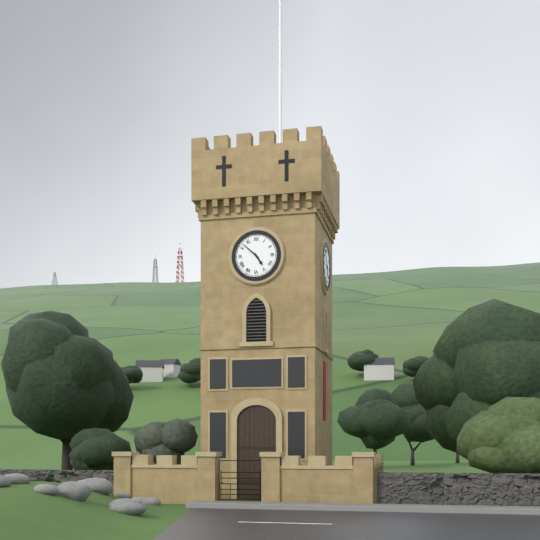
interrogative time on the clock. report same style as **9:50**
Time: **4:52**
